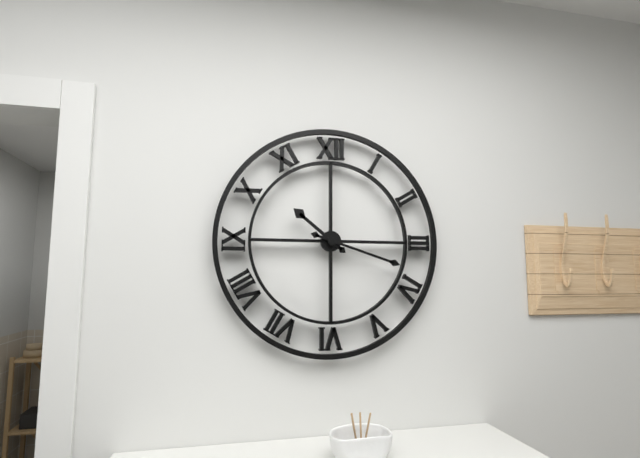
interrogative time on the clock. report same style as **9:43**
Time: **10:18**
